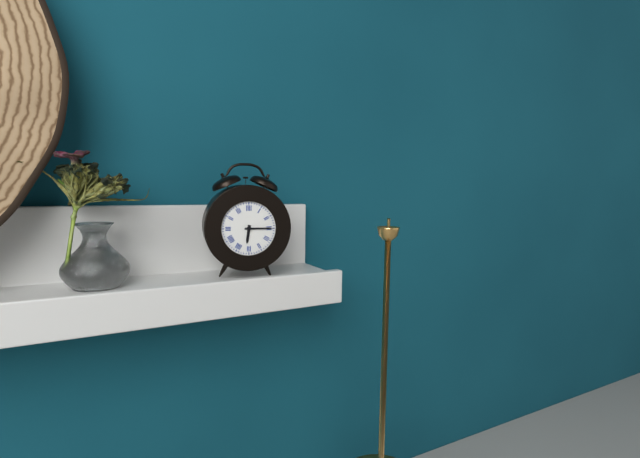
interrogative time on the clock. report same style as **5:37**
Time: **6:15**
